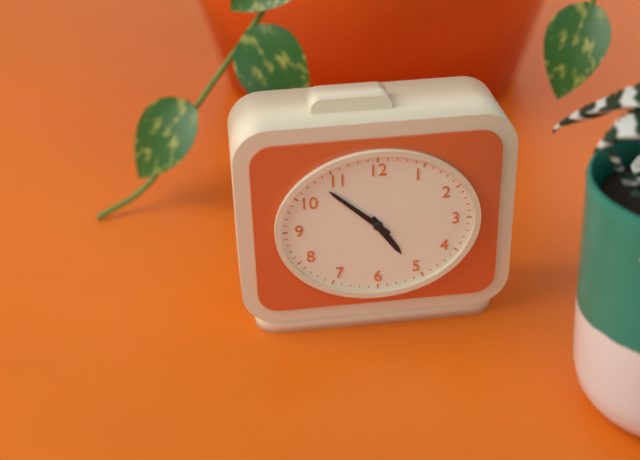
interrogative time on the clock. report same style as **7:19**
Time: **4:52**
